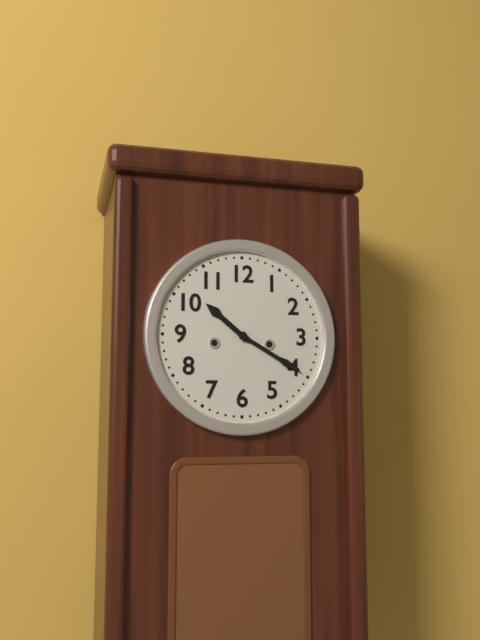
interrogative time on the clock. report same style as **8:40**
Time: **10:20**
